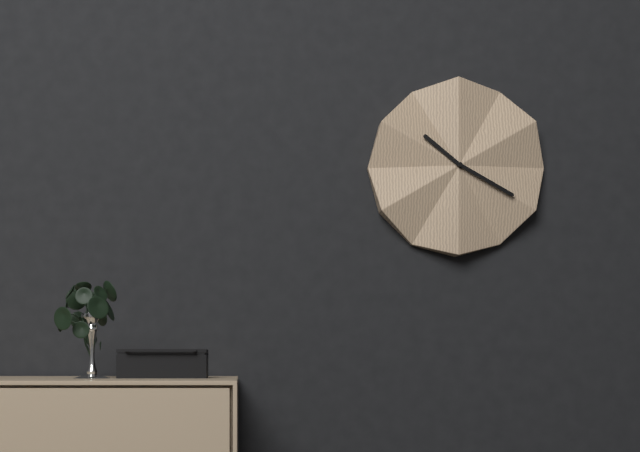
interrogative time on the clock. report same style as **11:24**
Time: **10:20**
